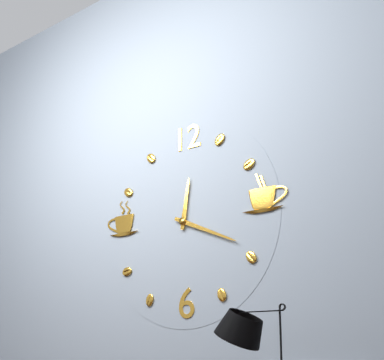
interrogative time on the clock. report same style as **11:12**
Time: **12:19**
